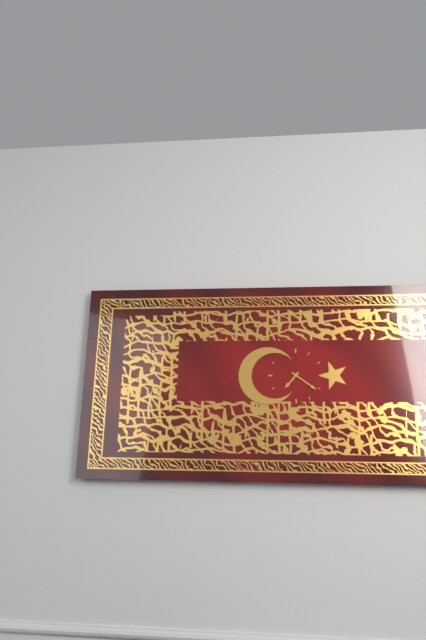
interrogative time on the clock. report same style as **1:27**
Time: **7:21**
